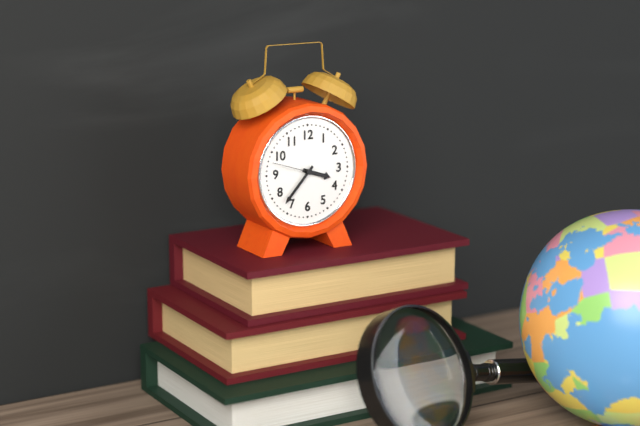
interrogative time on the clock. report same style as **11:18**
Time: **3:37**
